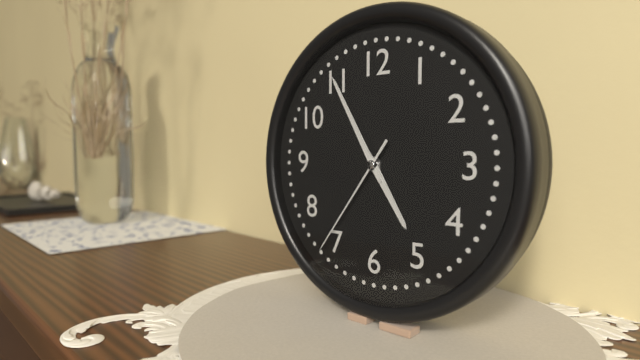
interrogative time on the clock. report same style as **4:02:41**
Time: **4:55:36**
